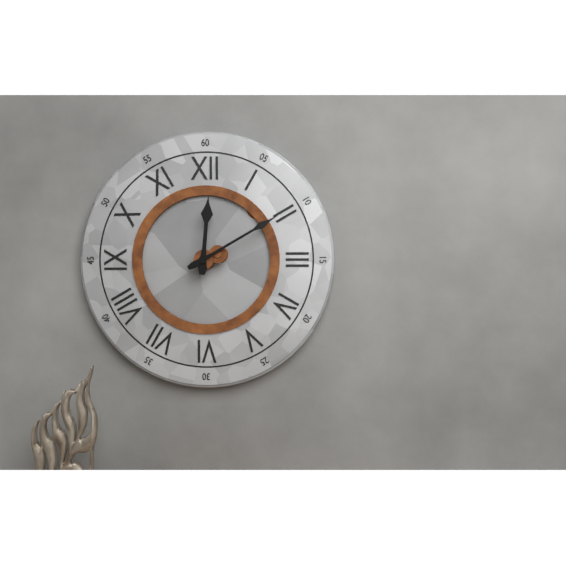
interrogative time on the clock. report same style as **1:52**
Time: **12:10**
